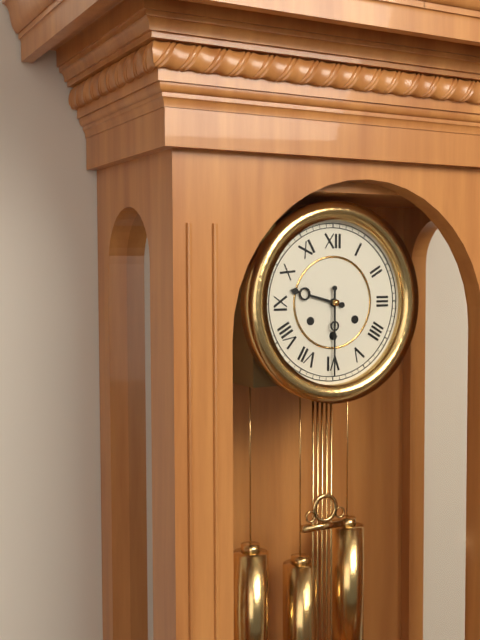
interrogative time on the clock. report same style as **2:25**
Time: **9:30**
